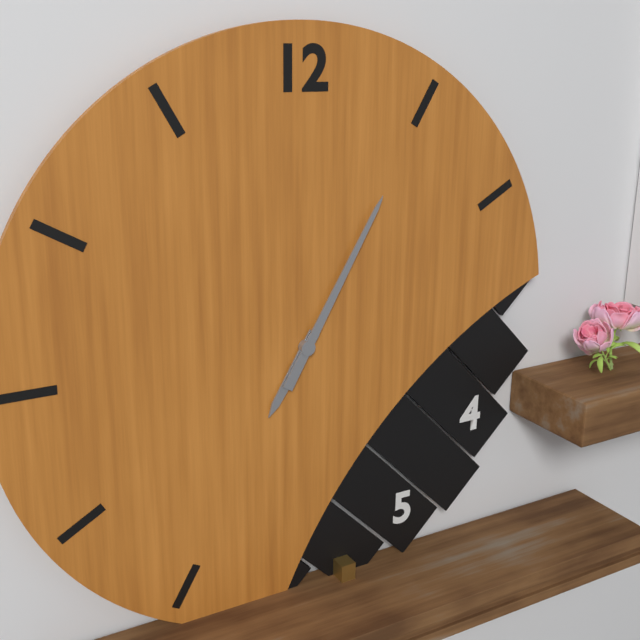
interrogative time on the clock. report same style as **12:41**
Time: **7:05**
